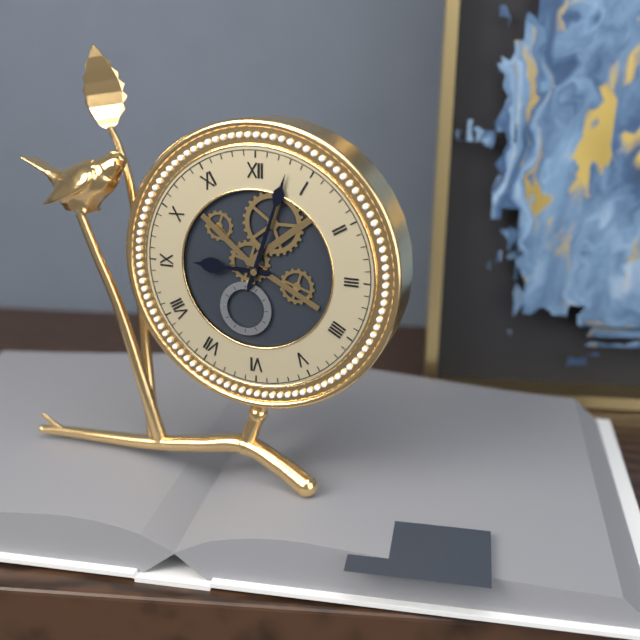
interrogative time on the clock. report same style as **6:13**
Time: **9:03**
